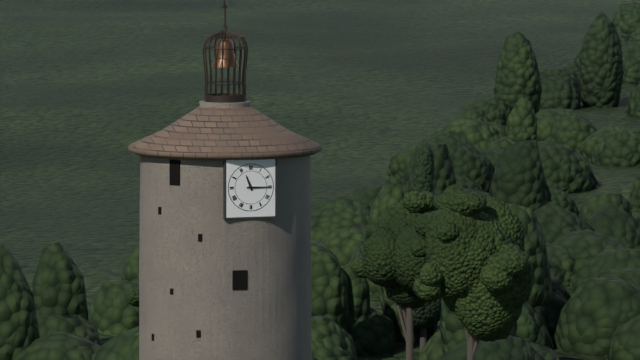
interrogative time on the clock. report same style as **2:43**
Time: **11:15**
